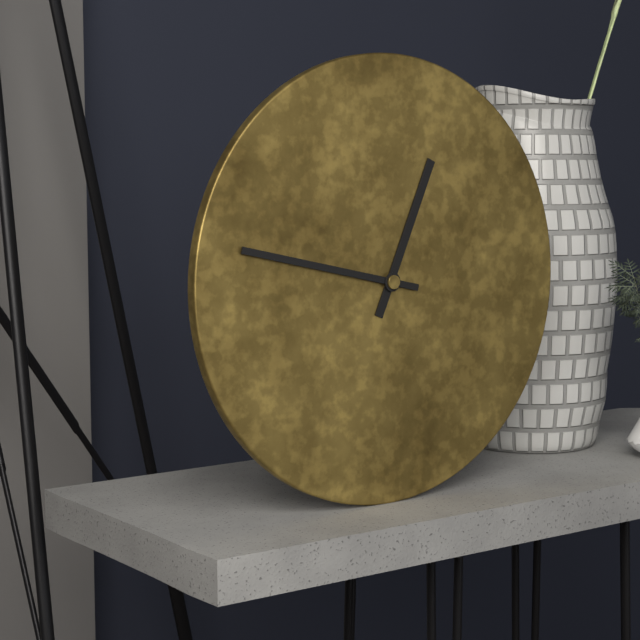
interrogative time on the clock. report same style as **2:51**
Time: **12:47**
